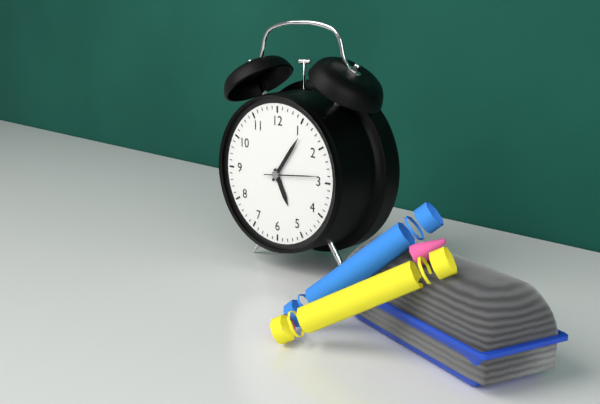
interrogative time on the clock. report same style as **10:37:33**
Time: **5:06:14**
